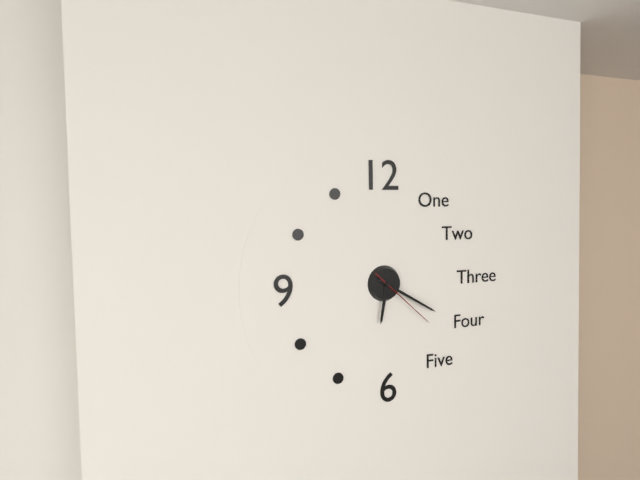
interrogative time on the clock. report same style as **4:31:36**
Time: **6:20:22**
